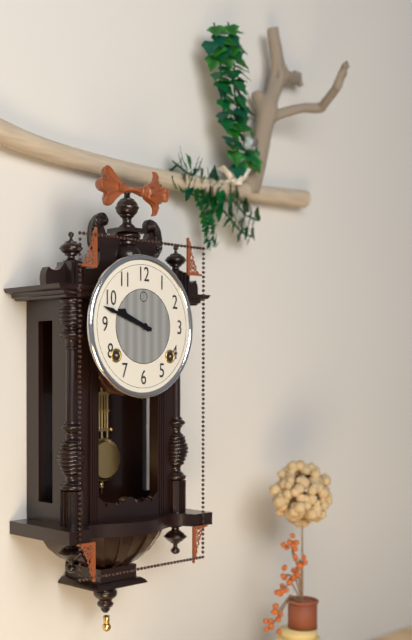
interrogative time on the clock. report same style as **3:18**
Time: **9:48**
